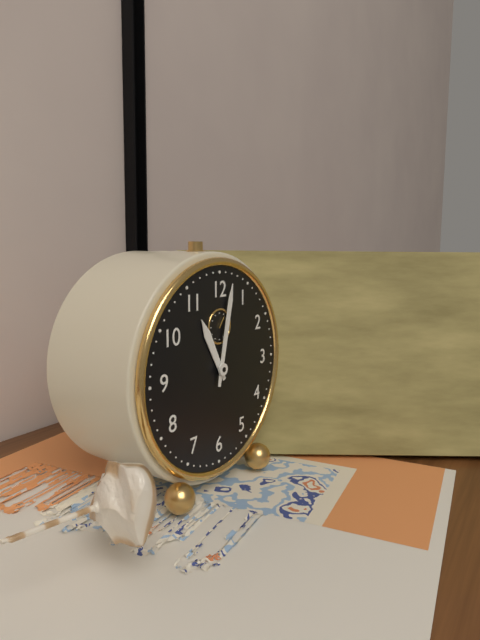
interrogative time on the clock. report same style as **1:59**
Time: **11:02**
